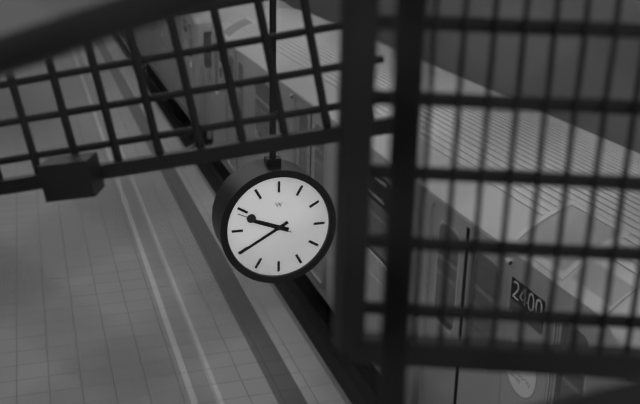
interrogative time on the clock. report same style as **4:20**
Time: **9:40**
